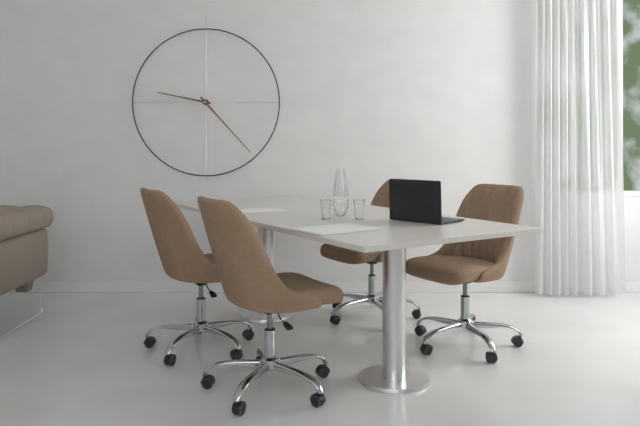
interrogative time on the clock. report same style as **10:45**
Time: **9:23**
